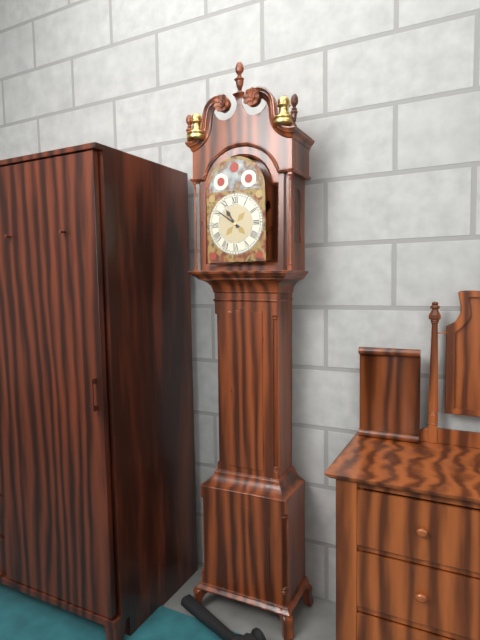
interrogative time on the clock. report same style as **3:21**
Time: **10:51**
